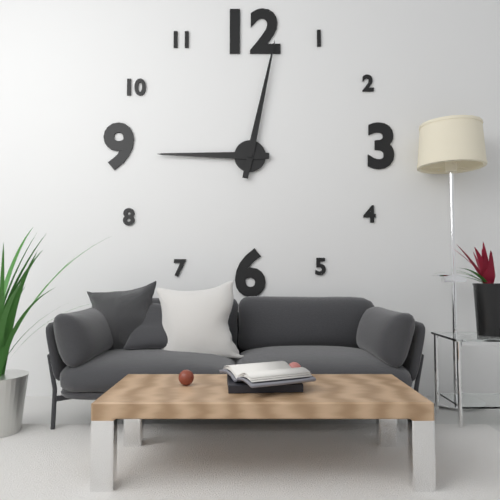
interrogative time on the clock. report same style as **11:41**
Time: **9:02**
